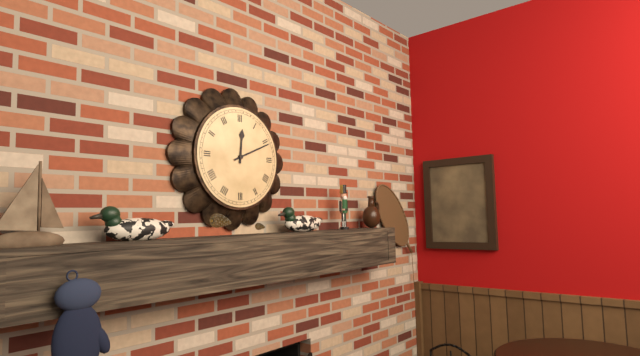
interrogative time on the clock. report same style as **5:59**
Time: **12:11**
